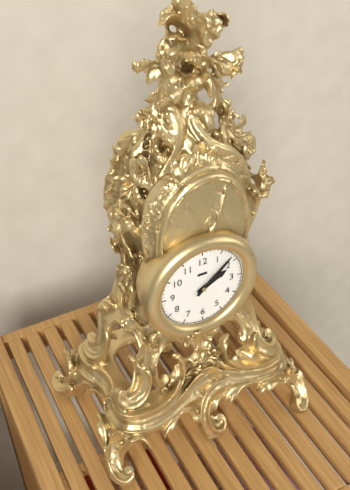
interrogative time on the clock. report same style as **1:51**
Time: **2:08**
